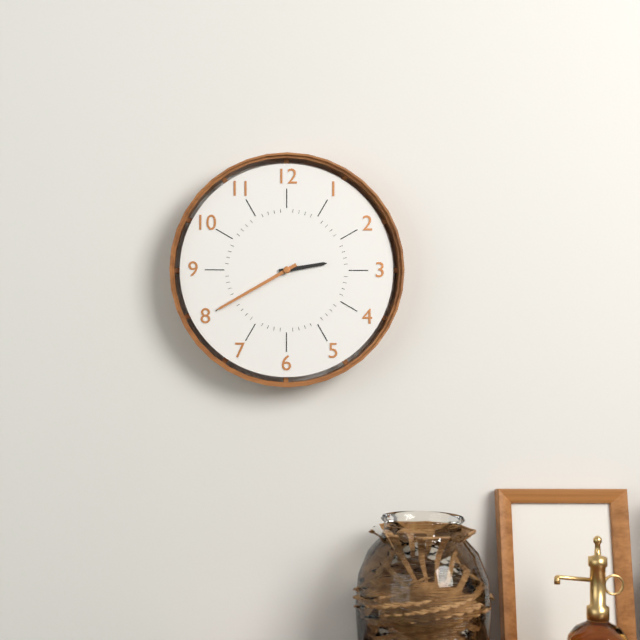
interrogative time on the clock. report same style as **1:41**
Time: **2:40**
